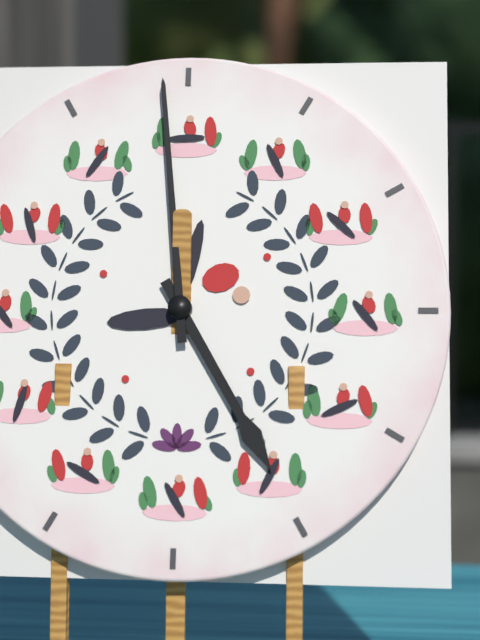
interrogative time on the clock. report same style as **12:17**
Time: **4:59**
